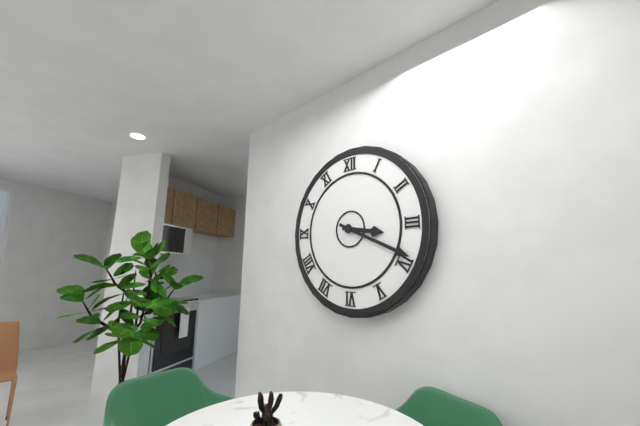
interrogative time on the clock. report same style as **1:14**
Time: **3:19**
